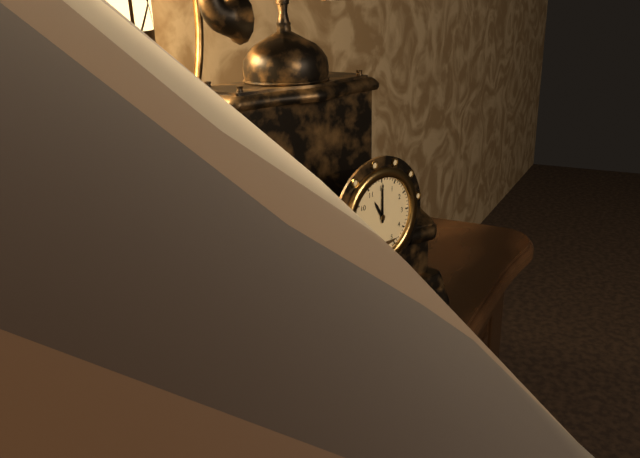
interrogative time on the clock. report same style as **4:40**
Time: **11:00**
